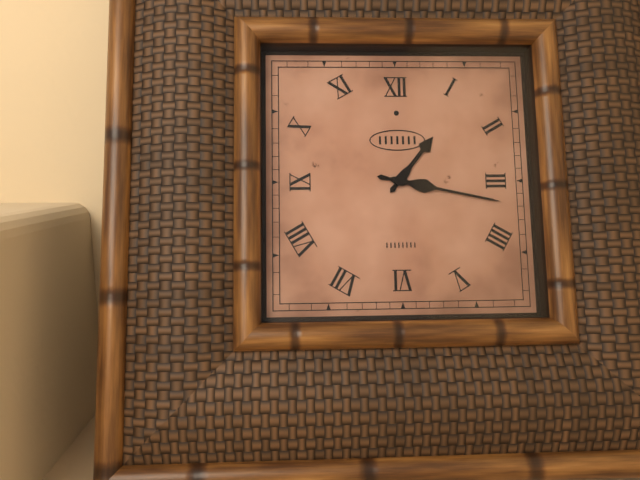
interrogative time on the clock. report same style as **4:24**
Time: **1:17**
